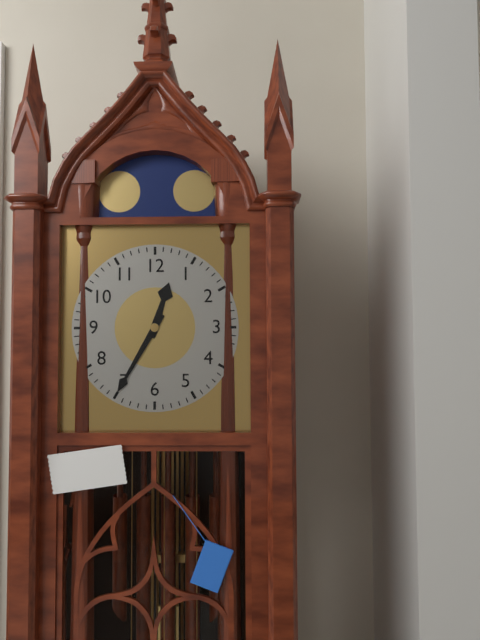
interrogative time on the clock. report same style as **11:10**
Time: **12:35**
